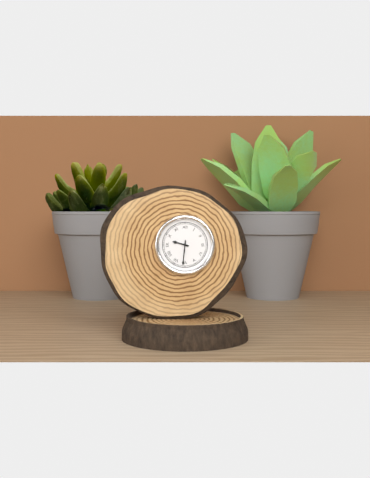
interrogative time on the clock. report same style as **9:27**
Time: **9:31**
